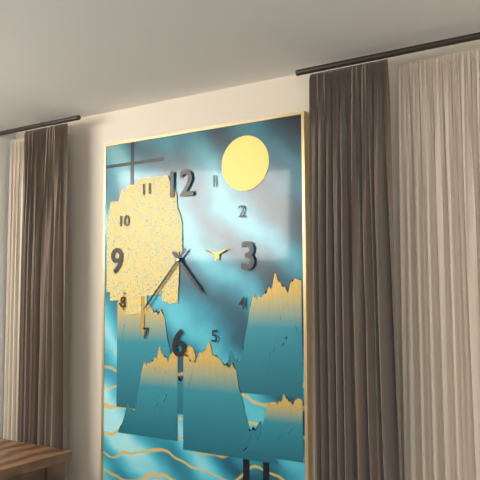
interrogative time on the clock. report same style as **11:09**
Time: **4:37**
